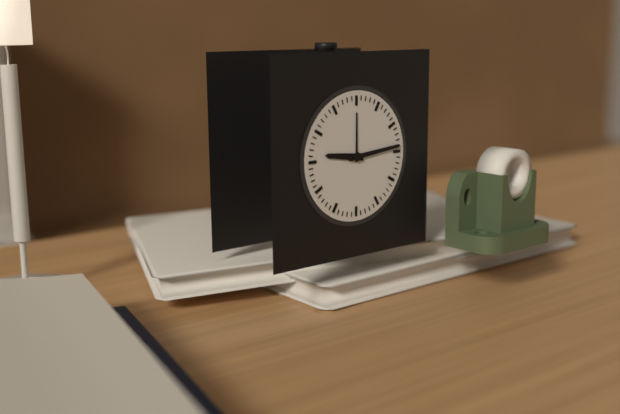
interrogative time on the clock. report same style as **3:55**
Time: **9:14**
